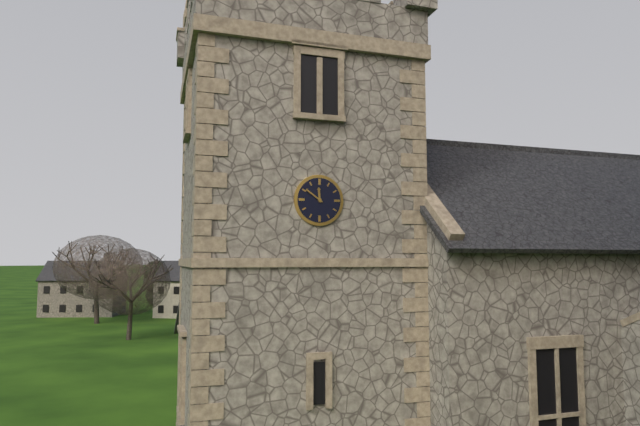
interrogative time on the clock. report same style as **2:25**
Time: **11:51**
